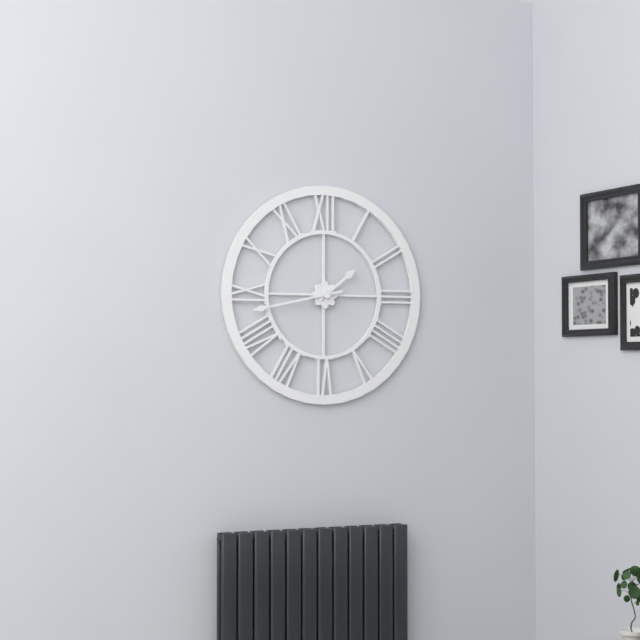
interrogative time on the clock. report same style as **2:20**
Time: **1:43**
